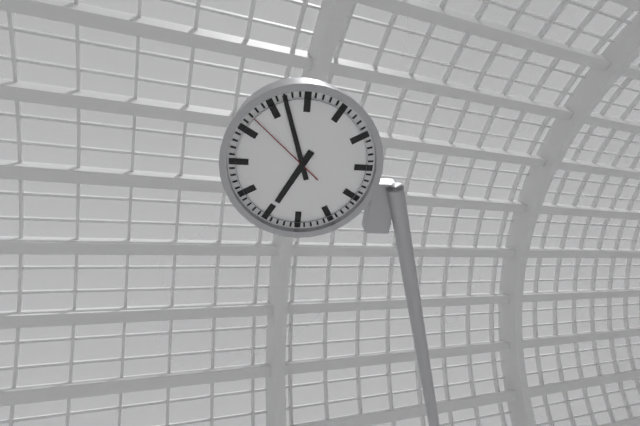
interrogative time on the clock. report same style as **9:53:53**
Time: **6:57:52**
